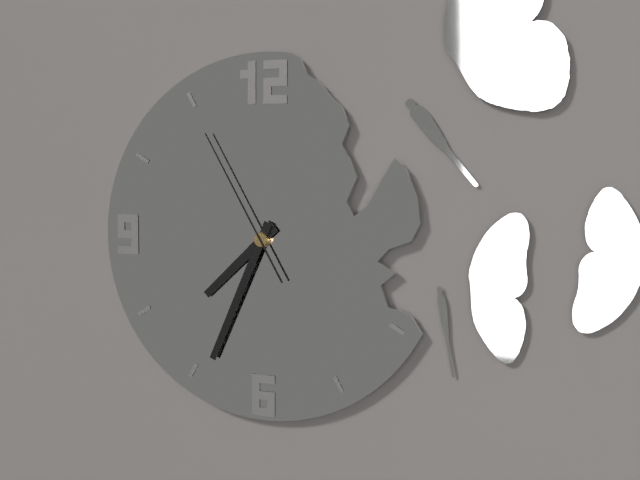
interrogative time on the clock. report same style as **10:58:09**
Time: **7:34:55**
